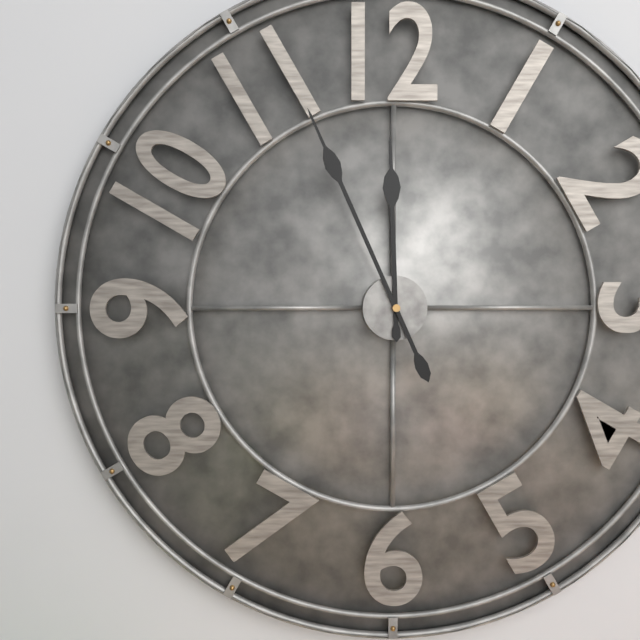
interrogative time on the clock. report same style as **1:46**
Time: **11:56**
